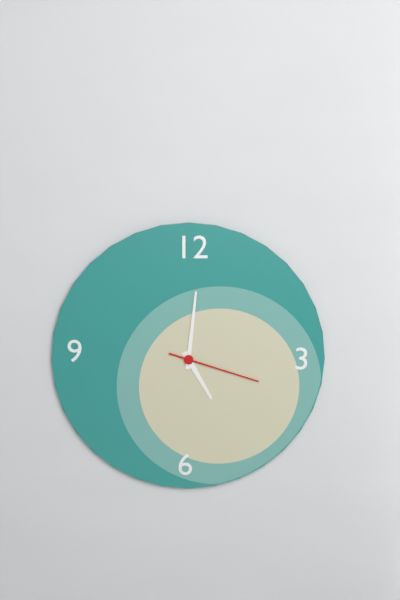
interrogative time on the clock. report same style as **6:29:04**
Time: **5:01:18**
